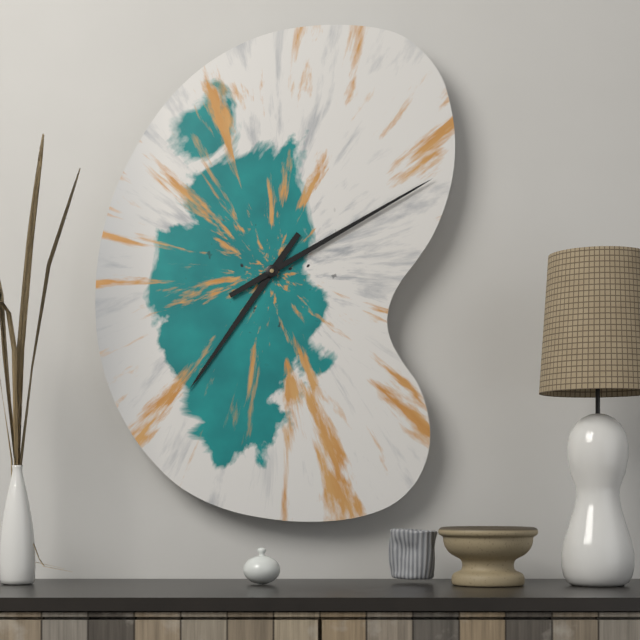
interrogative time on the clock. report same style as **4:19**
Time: **7:10**
